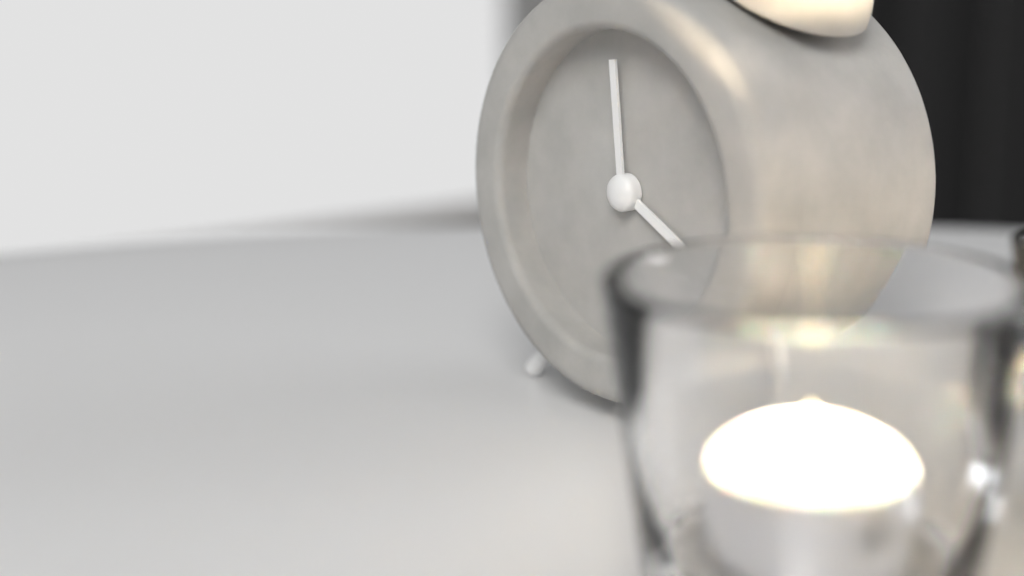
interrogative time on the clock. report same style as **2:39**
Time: **3:59**
